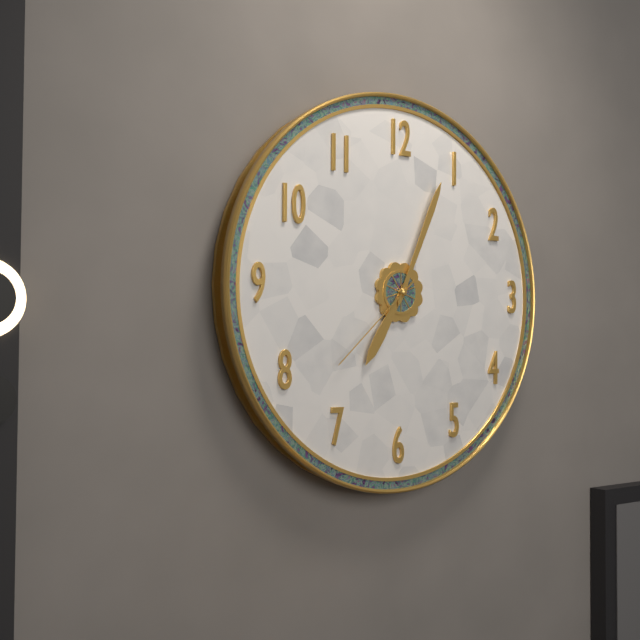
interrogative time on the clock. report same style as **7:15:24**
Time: **7:04:38**
